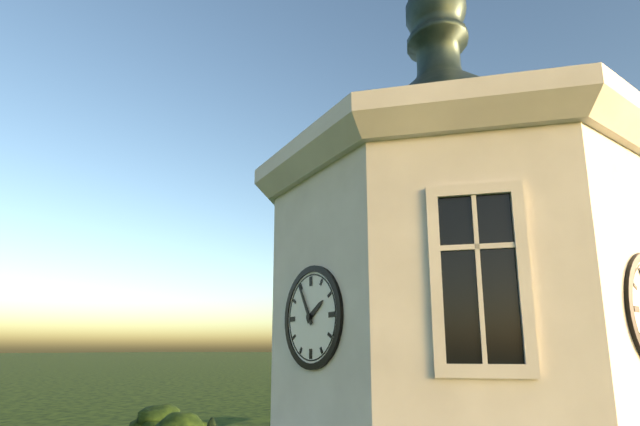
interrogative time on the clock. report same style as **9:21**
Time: **1:55**
